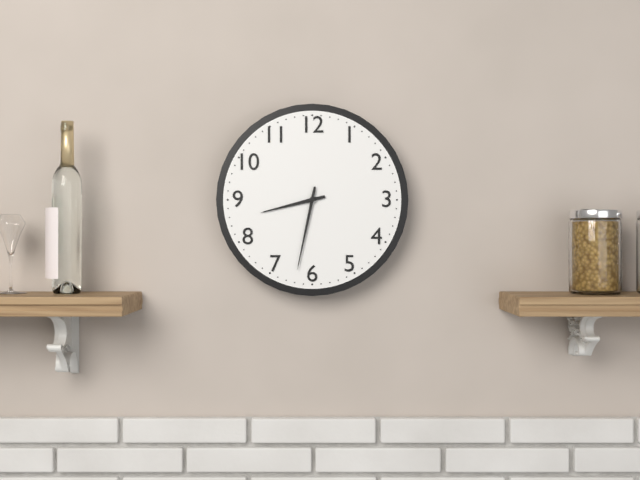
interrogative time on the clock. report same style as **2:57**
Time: **8:32**
